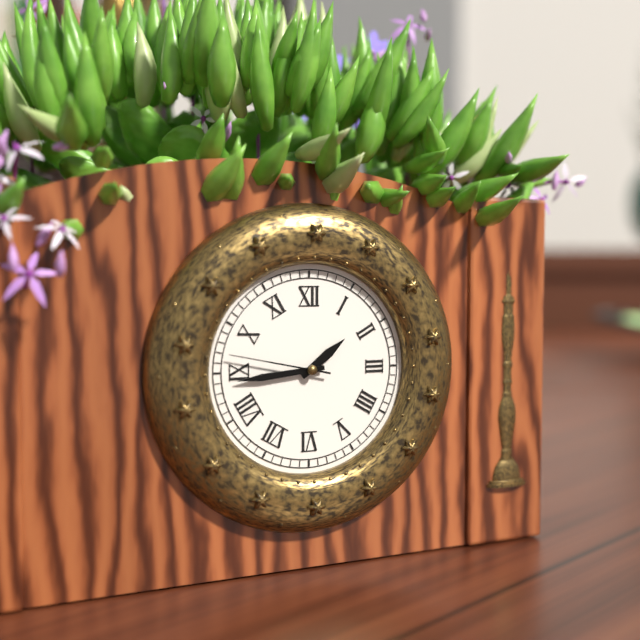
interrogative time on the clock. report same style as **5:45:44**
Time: **1:44:47**
